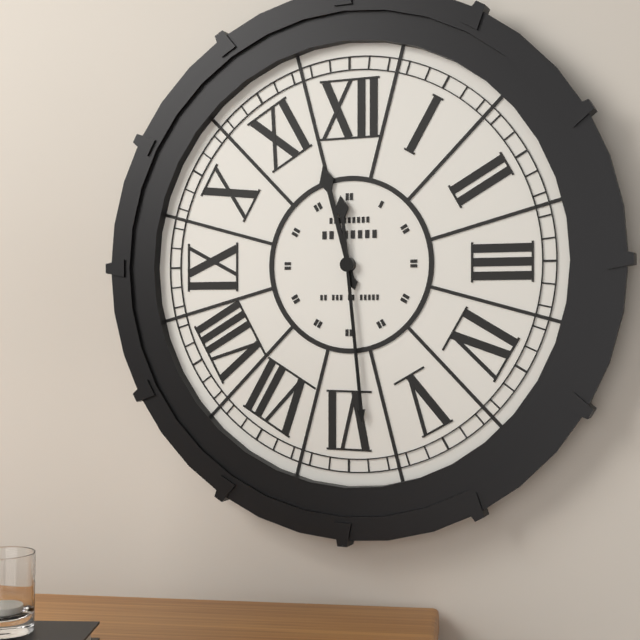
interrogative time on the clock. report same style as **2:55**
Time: **11:29**
